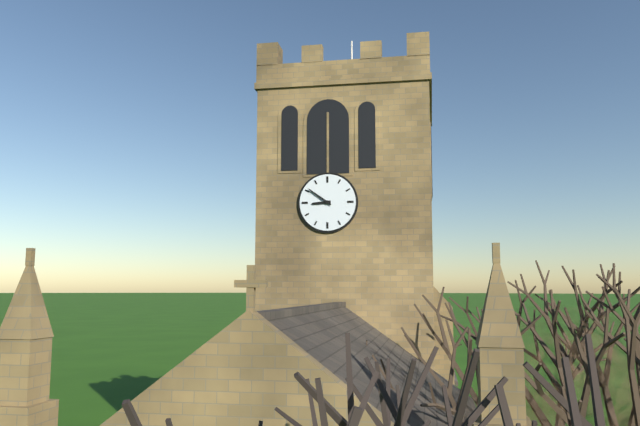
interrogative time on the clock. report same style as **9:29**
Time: **8:51**
